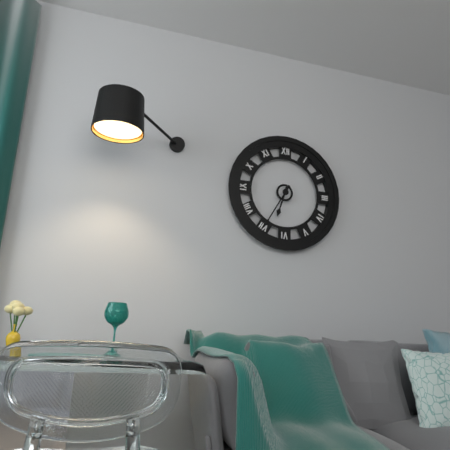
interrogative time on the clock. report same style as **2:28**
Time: **6:35**
